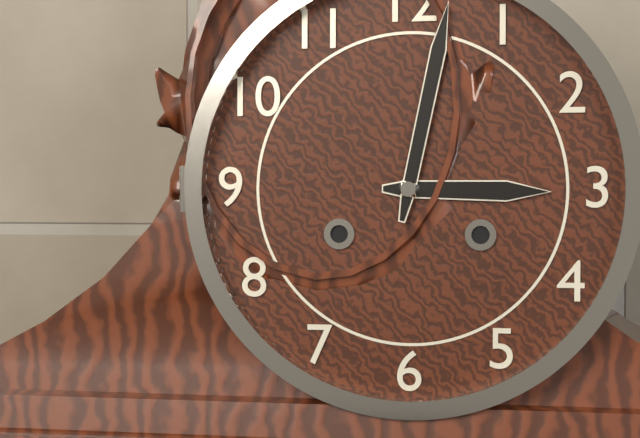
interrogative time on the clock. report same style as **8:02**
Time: **3:02**
